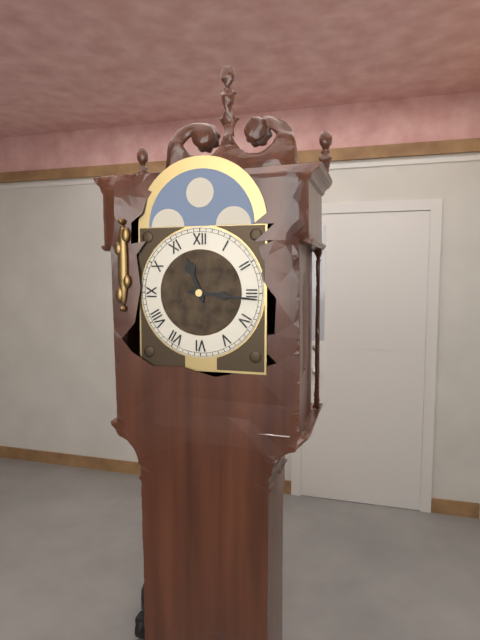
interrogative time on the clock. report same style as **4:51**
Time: **11:16**
